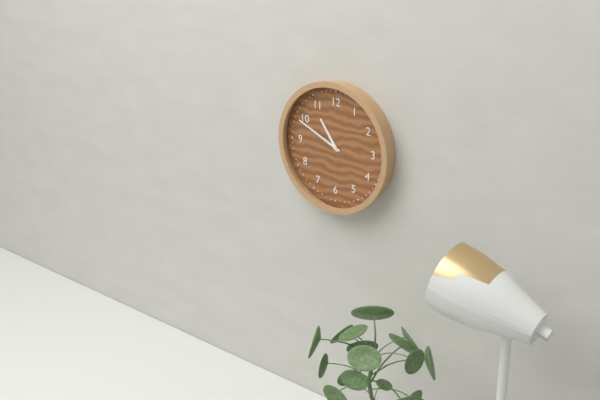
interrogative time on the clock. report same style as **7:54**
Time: **10:49**
